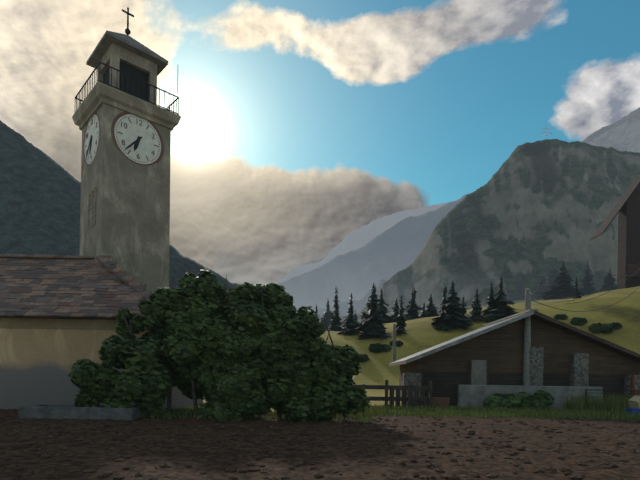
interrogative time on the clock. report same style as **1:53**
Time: **6:37**
